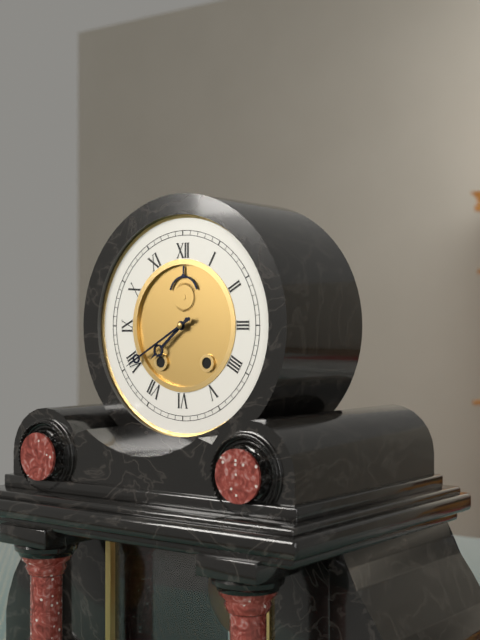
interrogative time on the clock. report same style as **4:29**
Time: **7:40**
